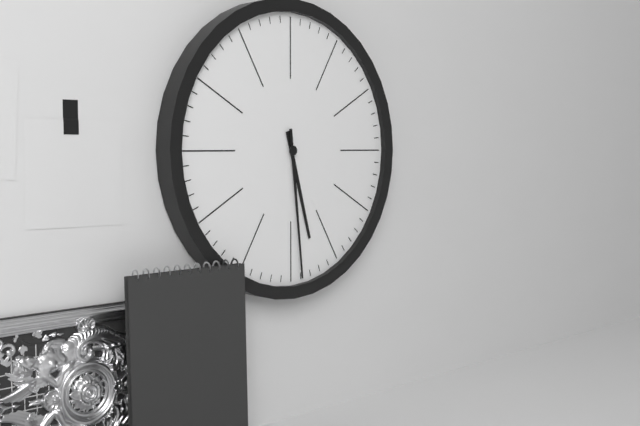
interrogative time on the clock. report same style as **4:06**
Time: **5:29**
